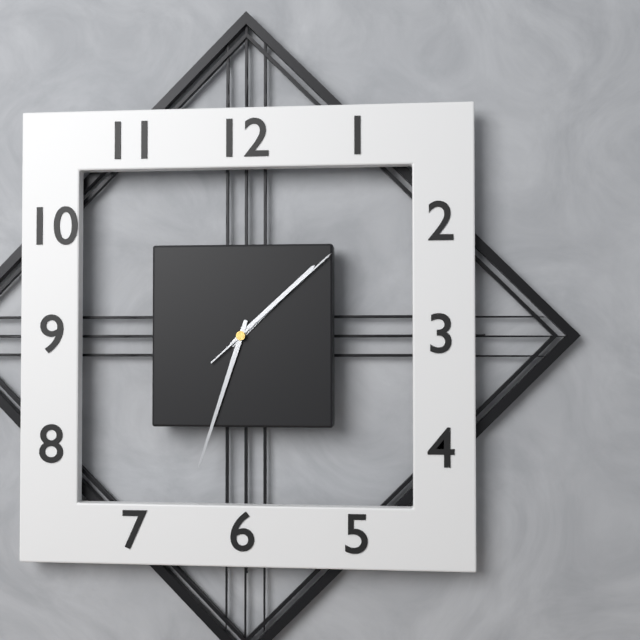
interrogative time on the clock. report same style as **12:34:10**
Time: **1:33:08**
